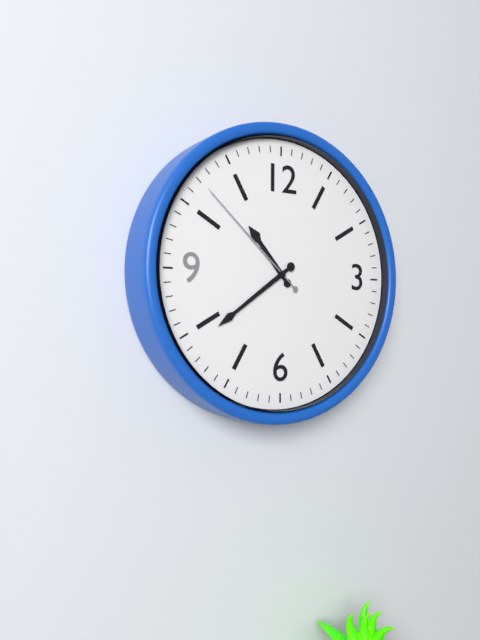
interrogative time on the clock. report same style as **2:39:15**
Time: **10:39:52**
